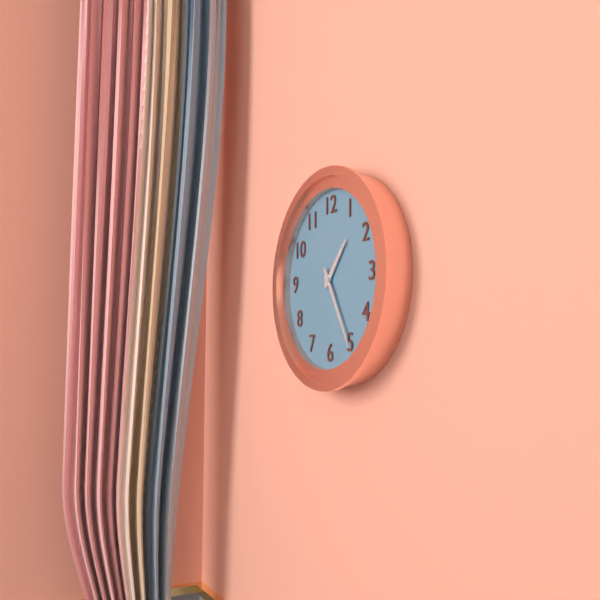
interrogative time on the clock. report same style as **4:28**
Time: **1:25**
